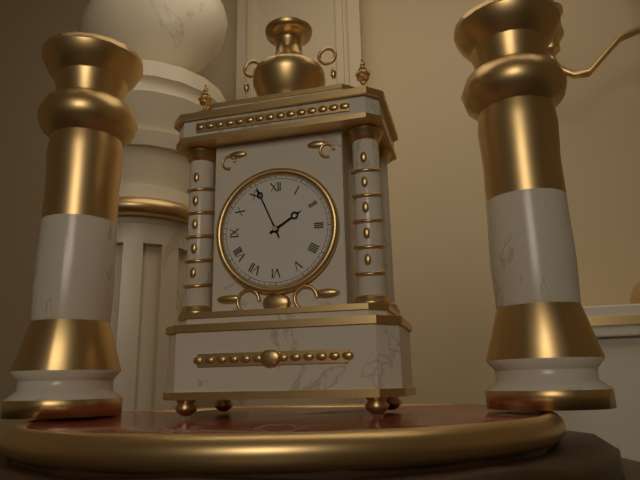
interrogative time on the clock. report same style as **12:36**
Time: **1:56**
